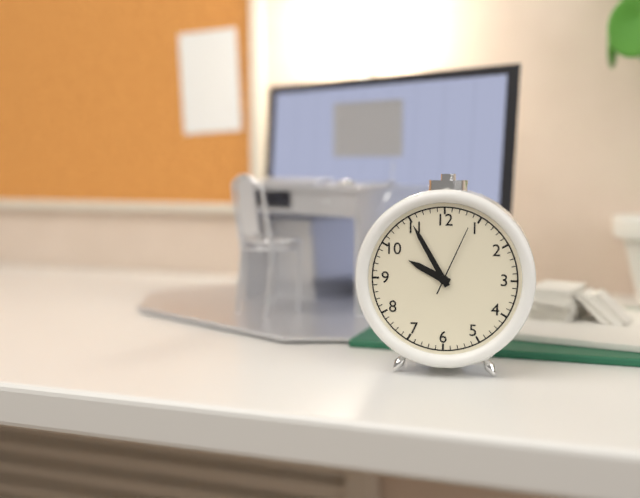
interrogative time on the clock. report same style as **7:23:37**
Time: **9:55:04**
